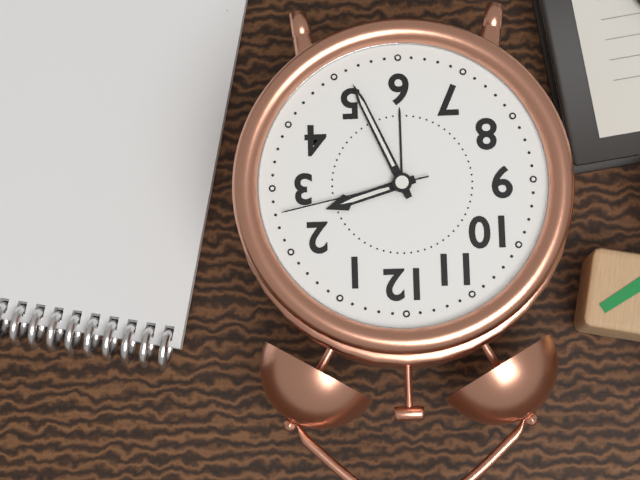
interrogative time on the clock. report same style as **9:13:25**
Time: **2:26:13**
